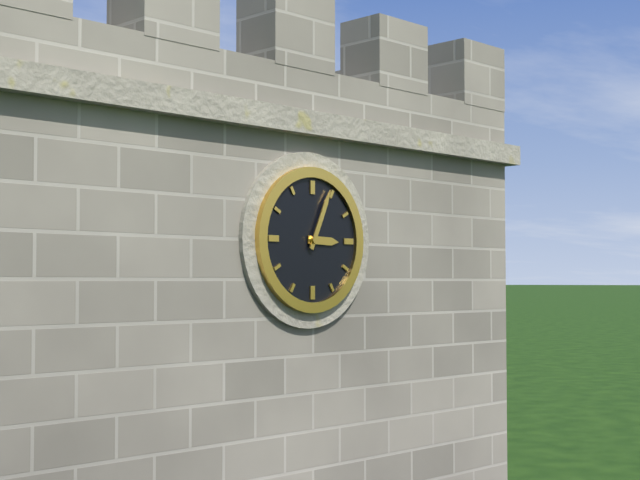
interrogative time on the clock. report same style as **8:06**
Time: **3:04**
